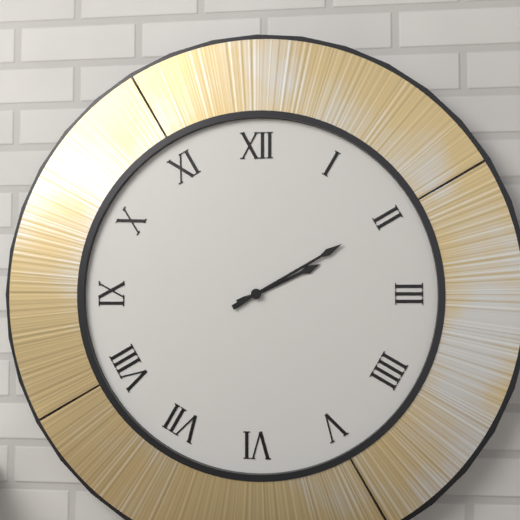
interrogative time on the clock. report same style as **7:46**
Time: **2:10**
